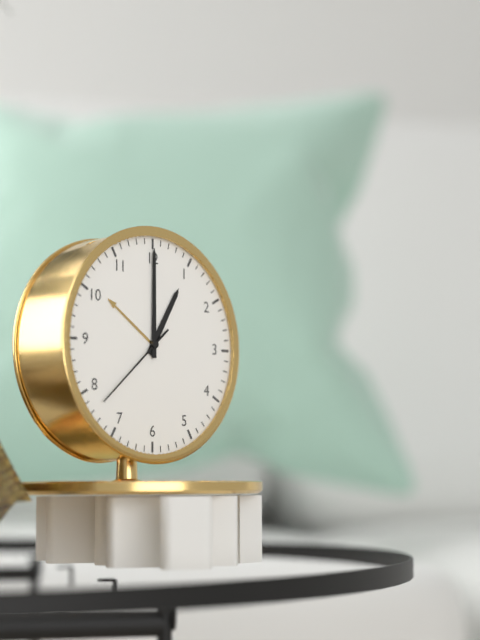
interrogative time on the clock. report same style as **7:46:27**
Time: **1:00:38**
